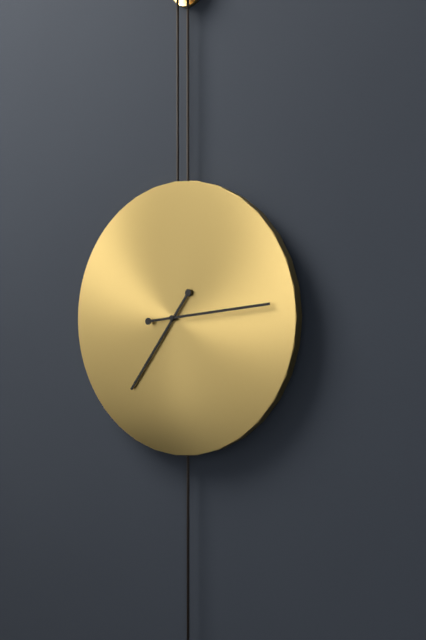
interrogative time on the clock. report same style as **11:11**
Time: **7:14**
